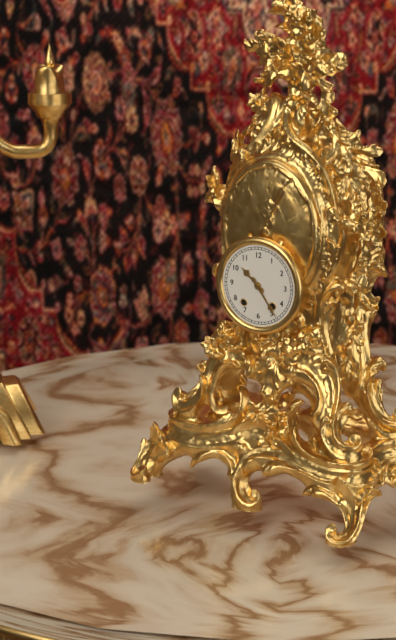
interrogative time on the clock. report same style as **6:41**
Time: **10:24**
